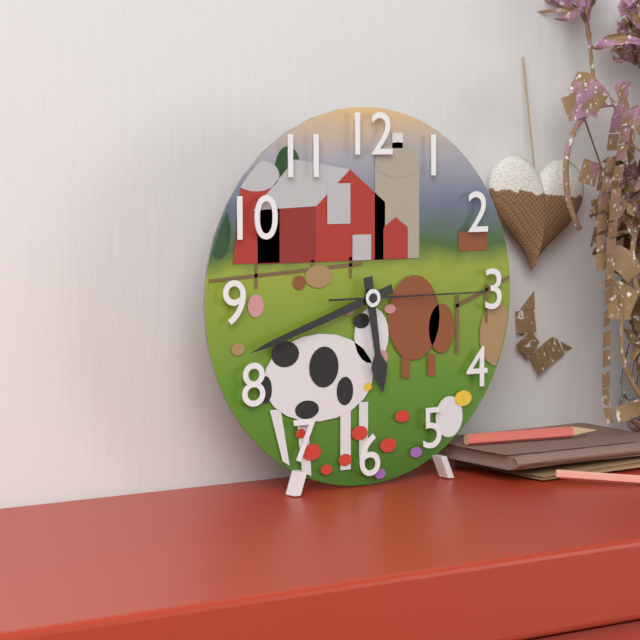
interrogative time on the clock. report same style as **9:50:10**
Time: **5:42:15**
